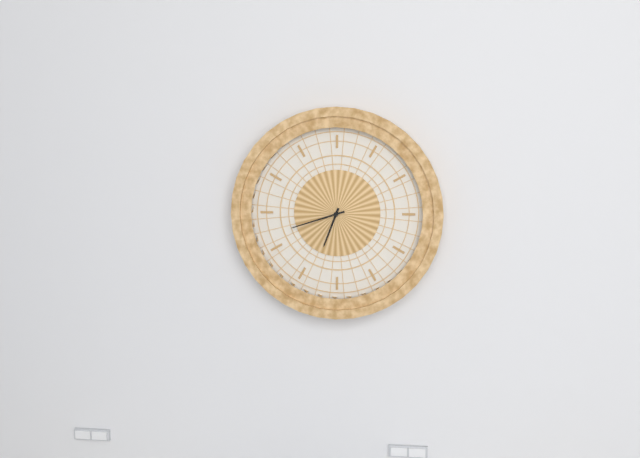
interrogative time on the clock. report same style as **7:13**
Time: **6:42**
